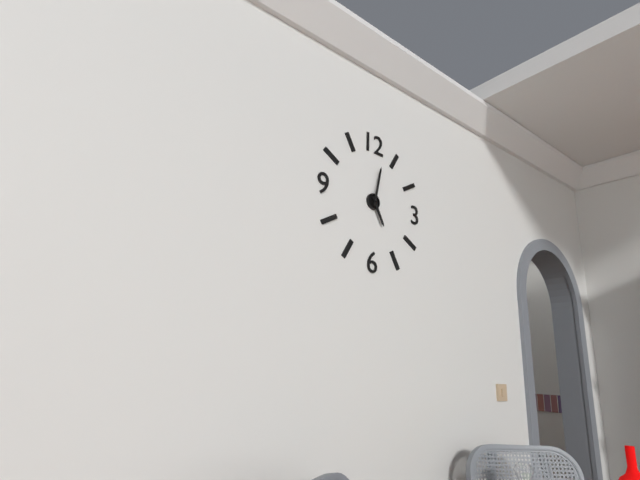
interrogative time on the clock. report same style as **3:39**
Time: **5:02**
